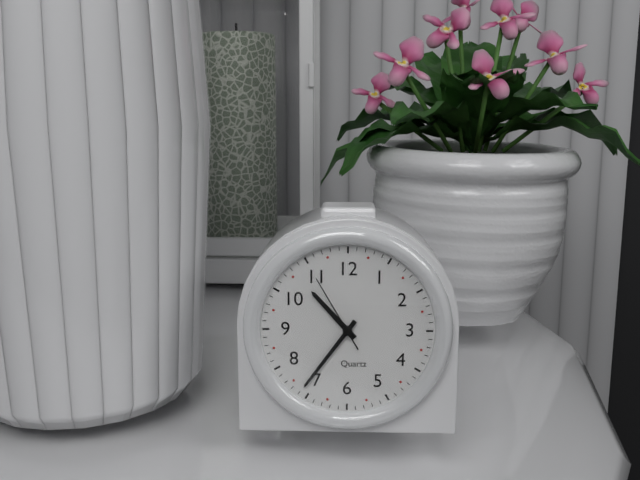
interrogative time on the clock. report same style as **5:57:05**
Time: **10:36:55**
